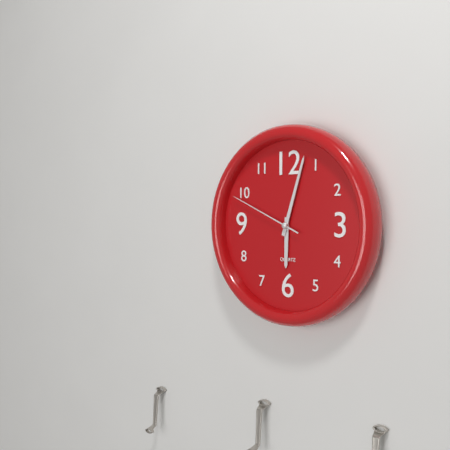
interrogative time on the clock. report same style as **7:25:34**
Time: **6:03:49**
